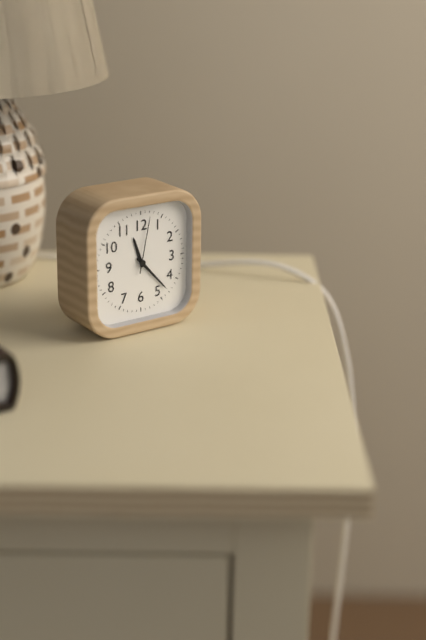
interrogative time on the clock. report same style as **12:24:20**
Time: **11:23:02**
